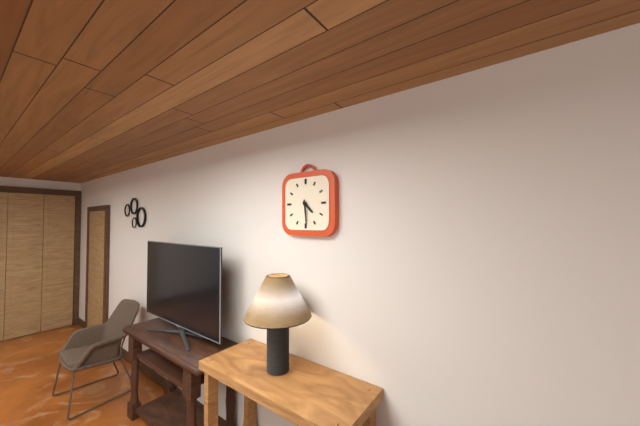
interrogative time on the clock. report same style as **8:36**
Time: **4:29**
